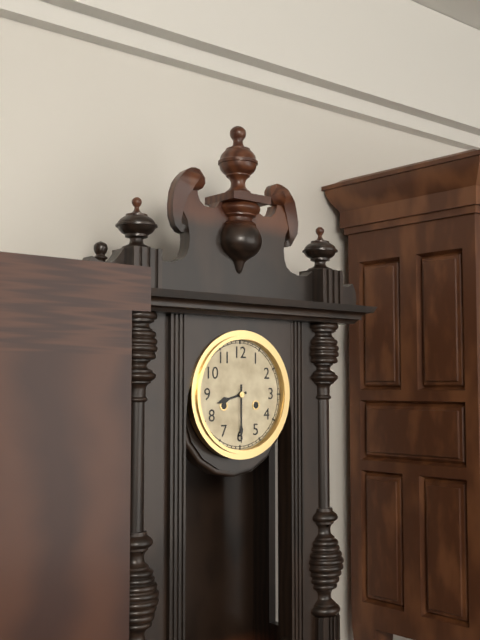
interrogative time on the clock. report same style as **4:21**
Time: **8:30**
